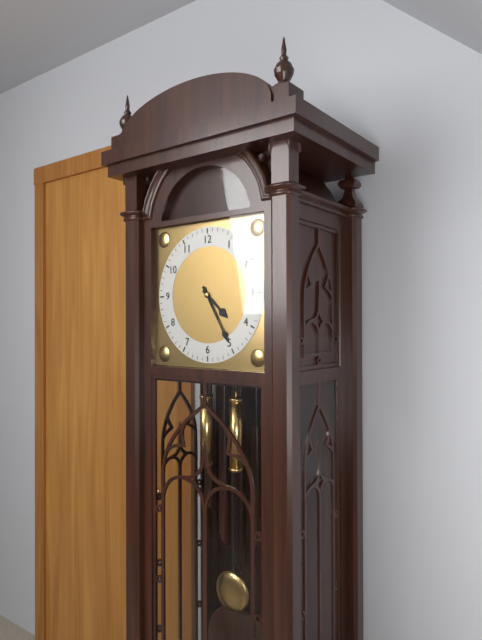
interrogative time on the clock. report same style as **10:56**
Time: **4:25**
